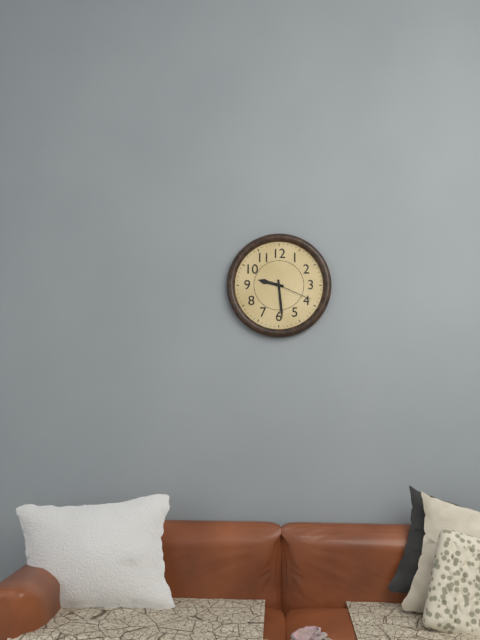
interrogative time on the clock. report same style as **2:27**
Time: **9:29**
